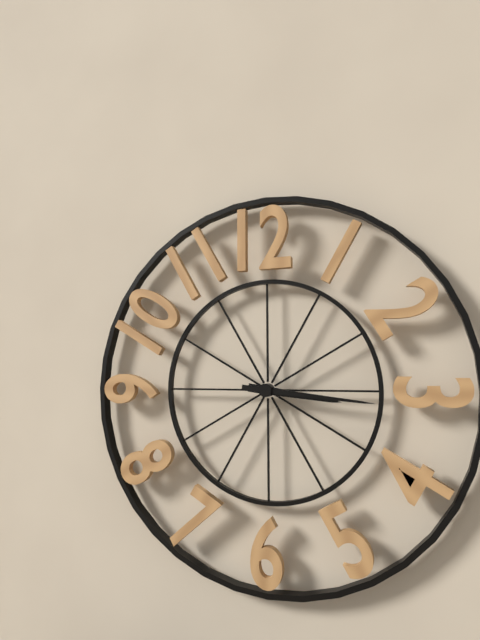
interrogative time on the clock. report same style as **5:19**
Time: **3:16**
